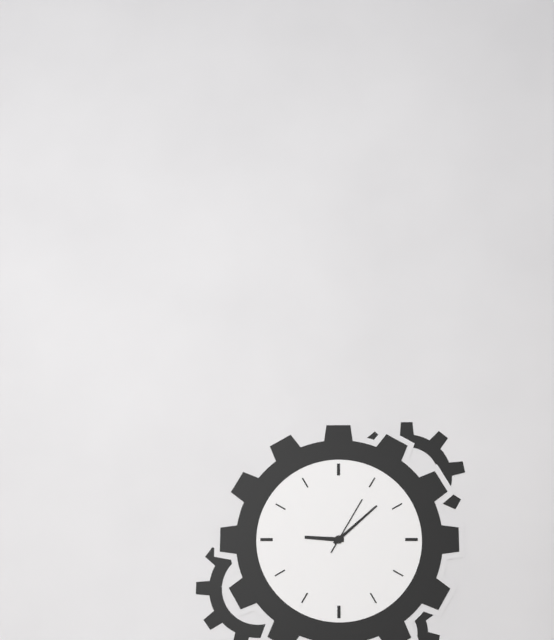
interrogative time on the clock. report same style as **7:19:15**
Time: **9:08:05**
